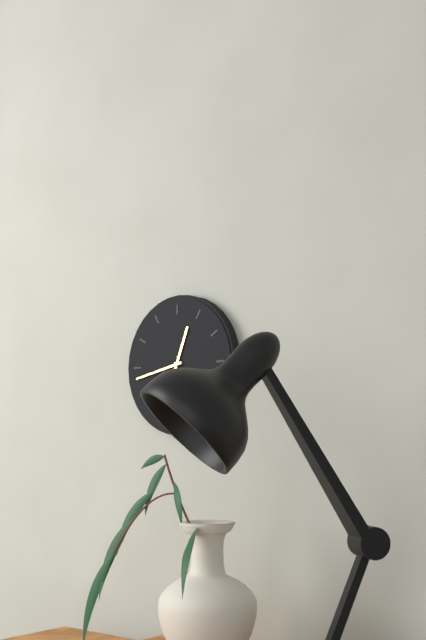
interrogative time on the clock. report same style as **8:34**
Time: **12:43**
